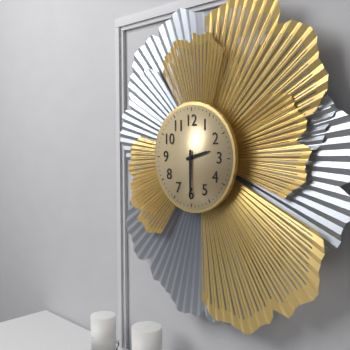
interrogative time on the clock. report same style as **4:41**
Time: **2:30**
